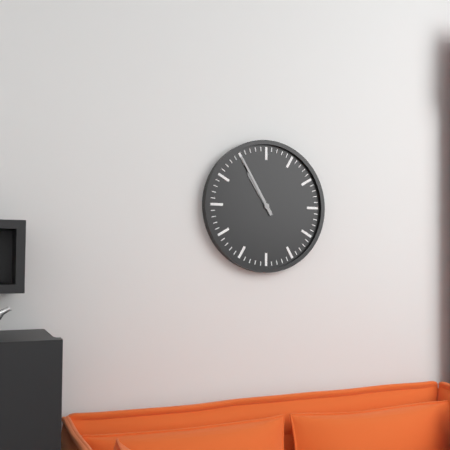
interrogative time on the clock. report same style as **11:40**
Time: **10:55**
